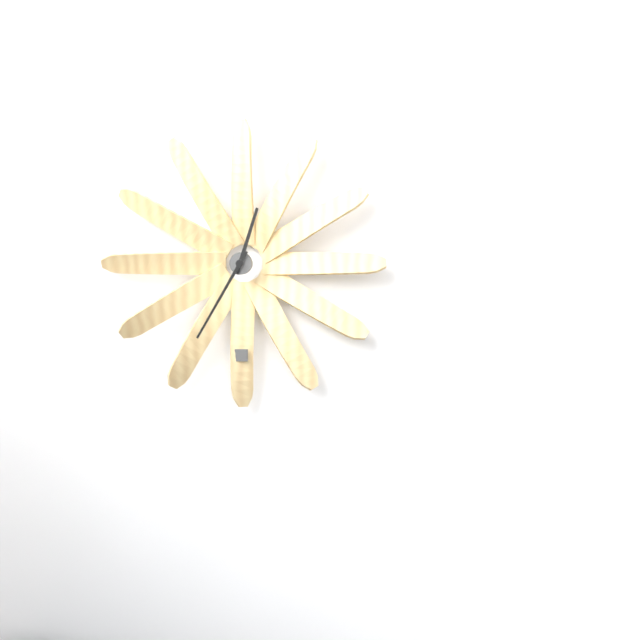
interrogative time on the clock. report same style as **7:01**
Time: **12:35**
